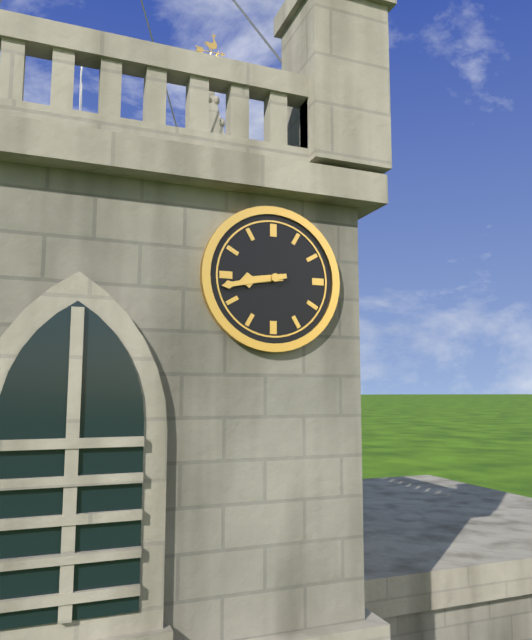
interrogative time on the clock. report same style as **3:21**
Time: **8:43**
